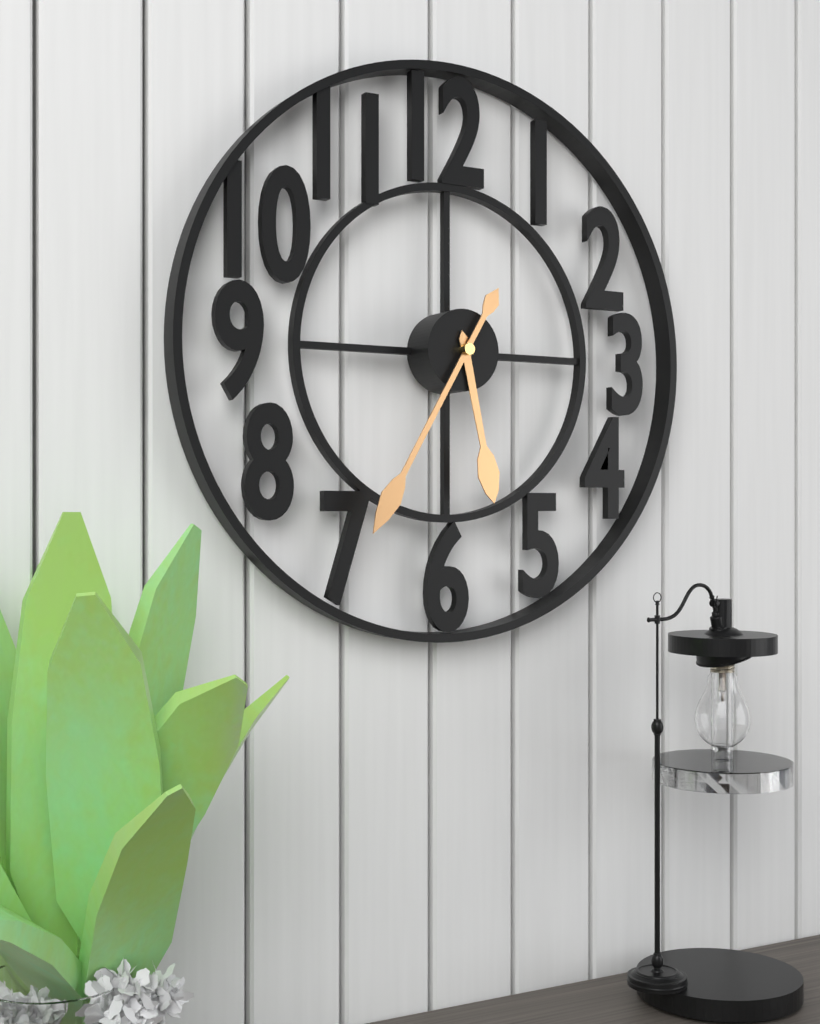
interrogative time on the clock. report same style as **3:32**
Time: **5:35**
